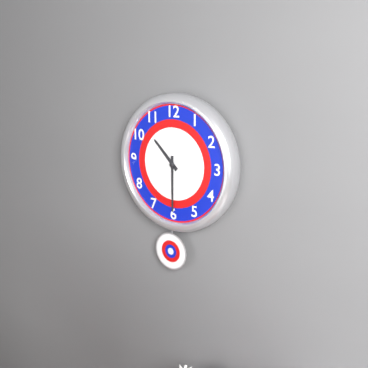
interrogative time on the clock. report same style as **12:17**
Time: **10:30**
